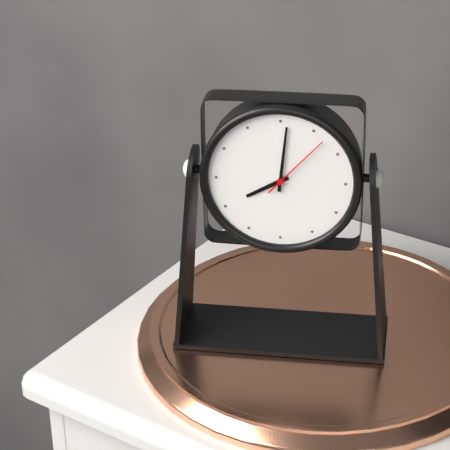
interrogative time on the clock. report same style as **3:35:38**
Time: **8:01:07**
